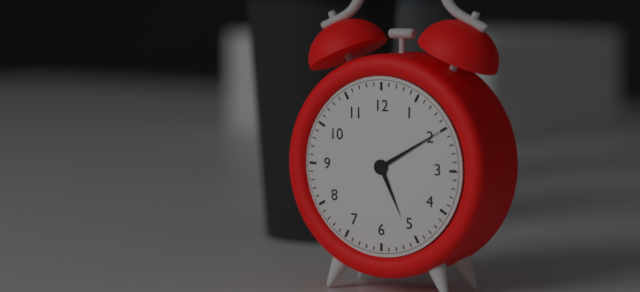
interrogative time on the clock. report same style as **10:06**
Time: **5:10**
